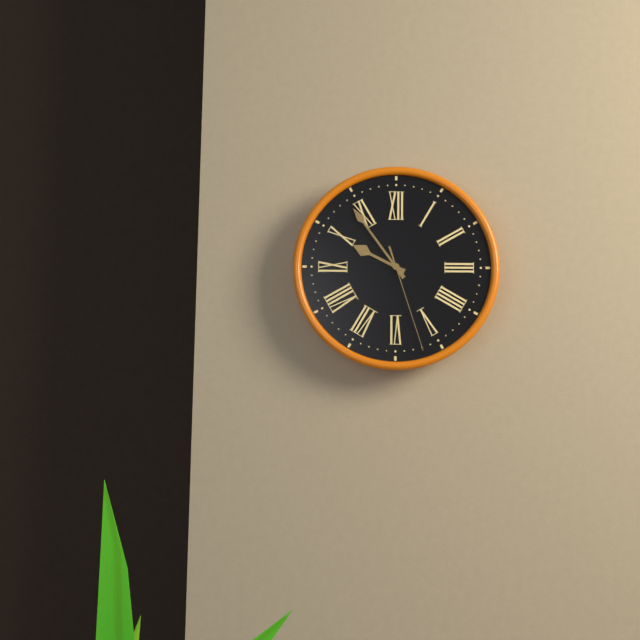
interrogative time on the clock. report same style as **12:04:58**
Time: **9:54:27**
